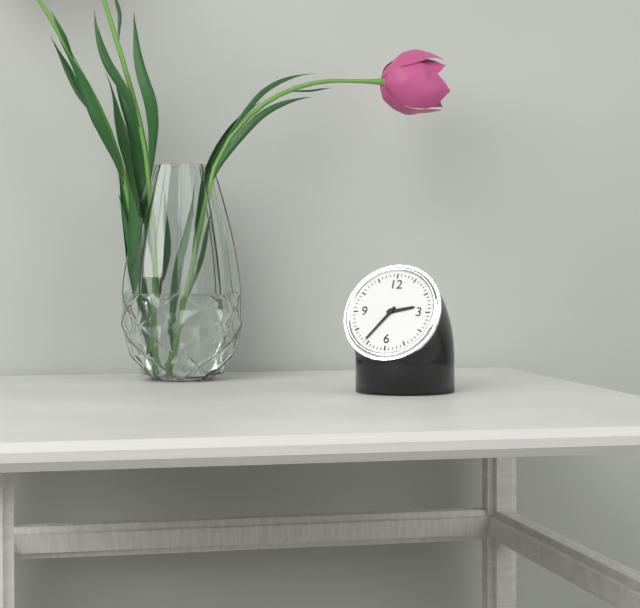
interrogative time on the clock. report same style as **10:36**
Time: **2:36**
